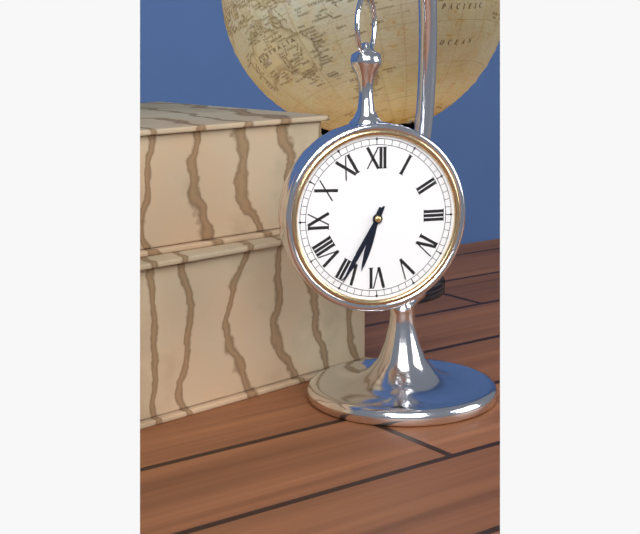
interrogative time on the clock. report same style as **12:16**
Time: **6:35**
